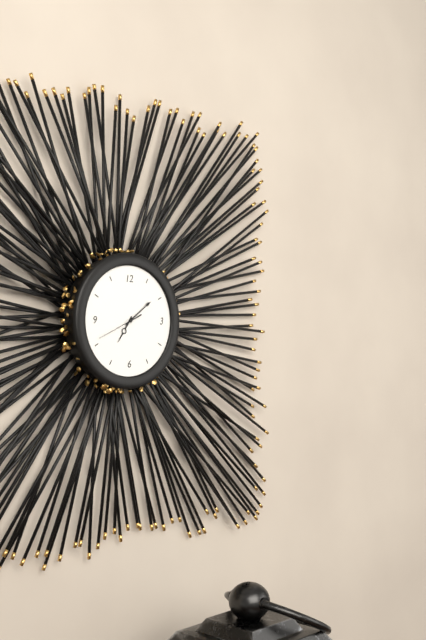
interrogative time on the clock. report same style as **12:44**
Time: **7:09**
